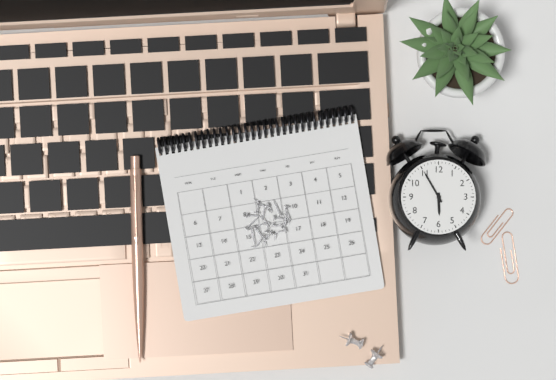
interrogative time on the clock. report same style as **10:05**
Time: **5:55**
